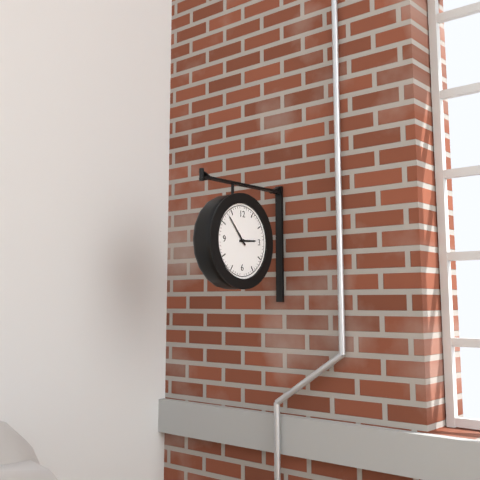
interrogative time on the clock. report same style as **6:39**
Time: **2:53**
